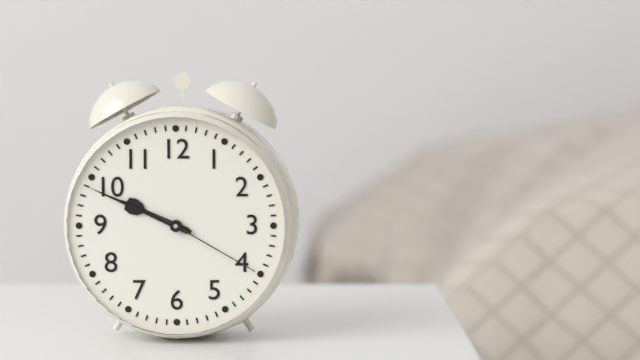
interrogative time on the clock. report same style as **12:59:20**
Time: **9:49:20**
